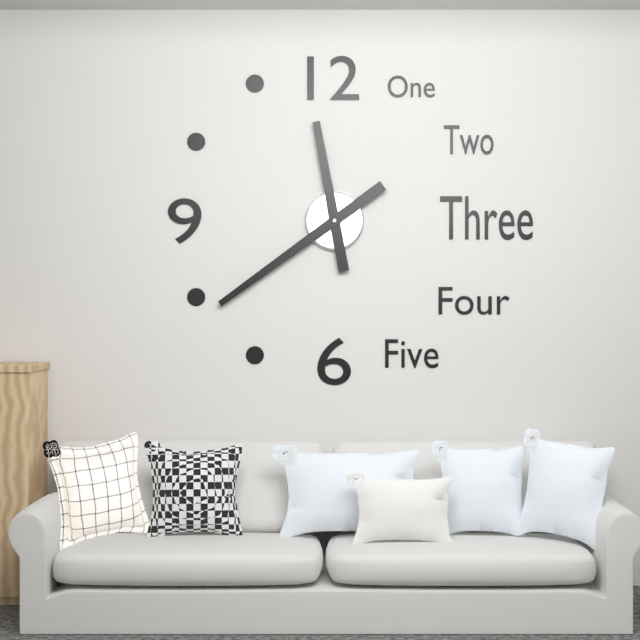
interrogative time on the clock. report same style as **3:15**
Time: **11:39**
